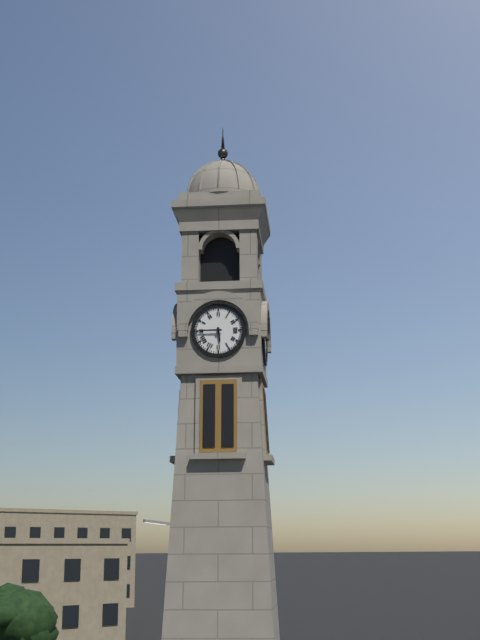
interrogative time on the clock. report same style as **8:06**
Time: **5:45**
